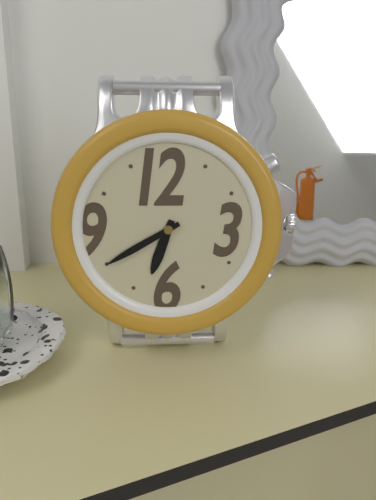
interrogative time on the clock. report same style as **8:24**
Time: **6:40**
